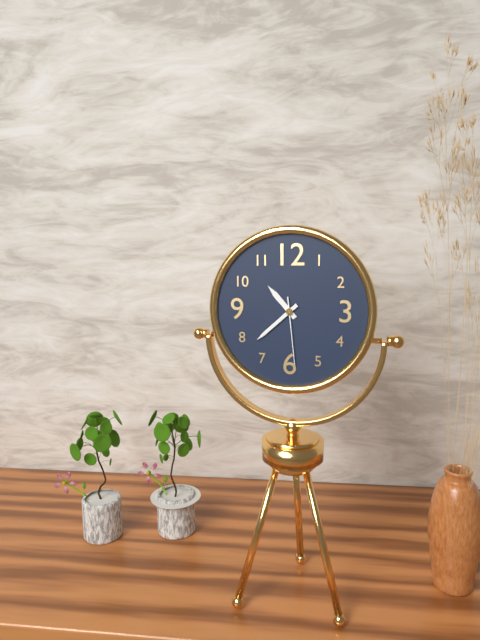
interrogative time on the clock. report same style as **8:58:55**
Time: **10:38:29**
